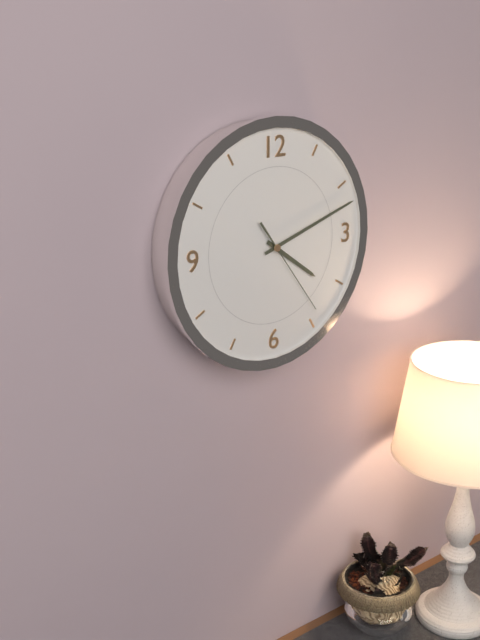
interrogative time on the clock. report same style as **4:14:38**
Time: **4:12:24**
